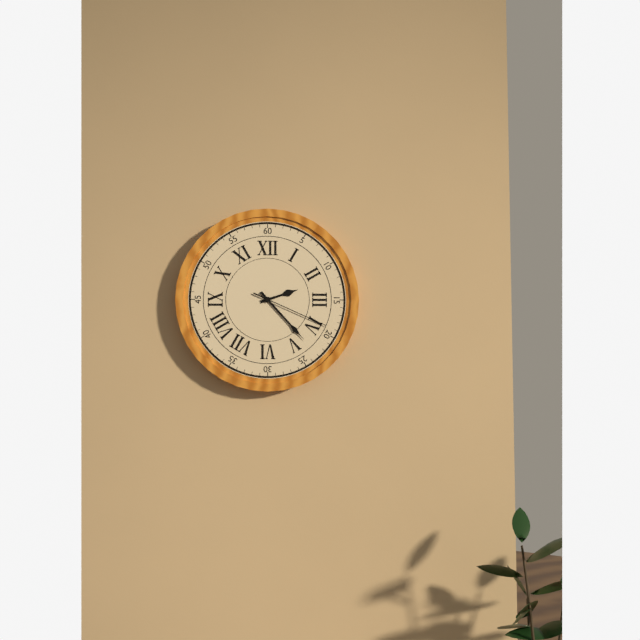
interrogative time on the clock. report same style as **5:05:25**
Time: **2:23:19**
